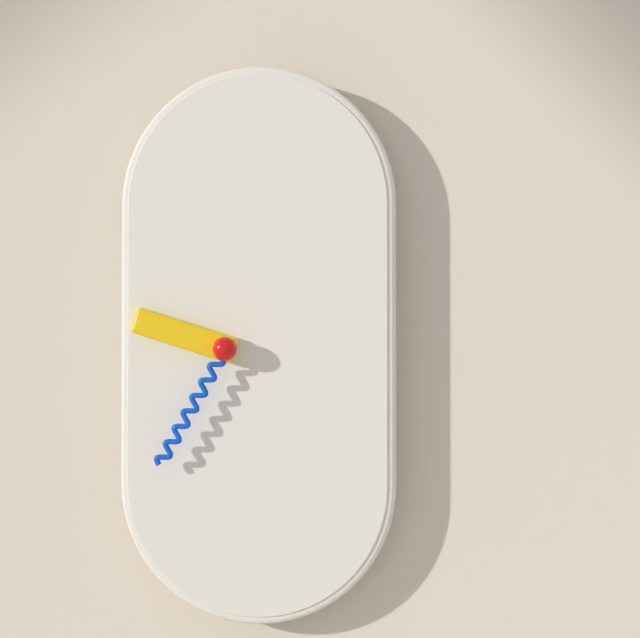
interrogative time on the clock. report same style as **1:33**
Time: **9:35**
